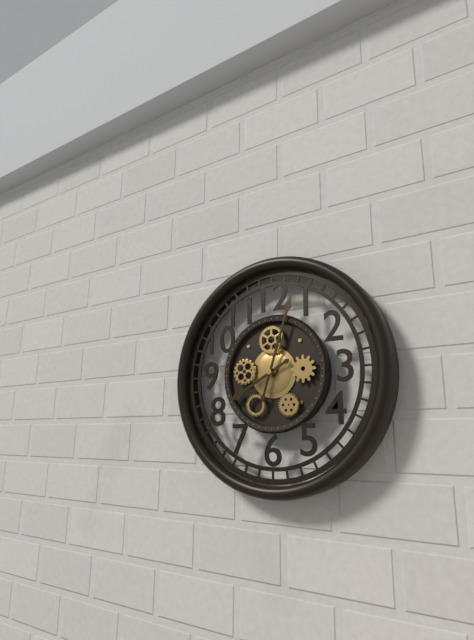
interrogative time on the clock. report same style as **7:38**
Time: **8:03**
